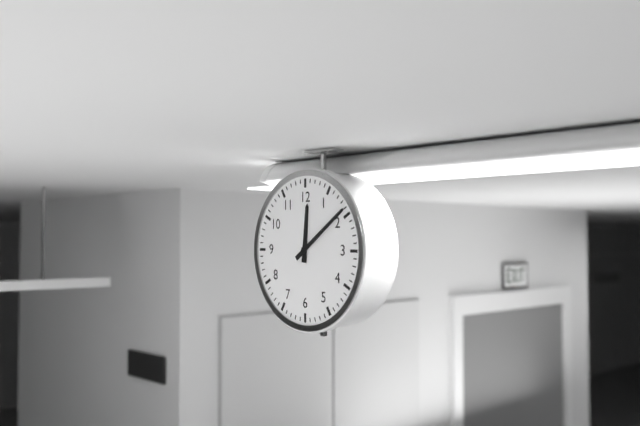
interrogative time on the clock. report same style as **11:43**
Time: **12:09**
